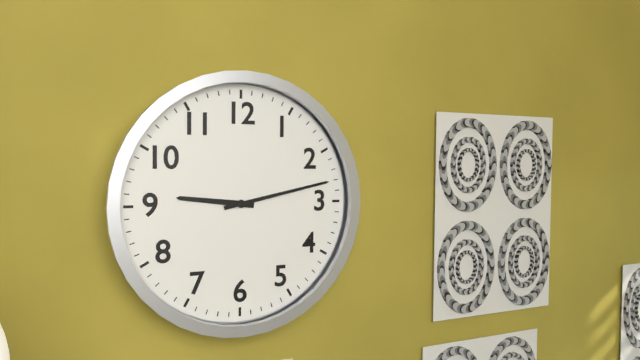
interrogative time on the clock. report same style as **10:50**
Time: **9:13**
